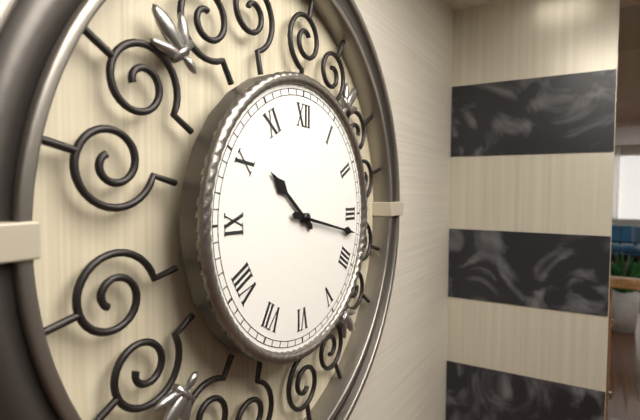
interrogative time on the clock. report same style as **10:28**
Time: **10:17**
